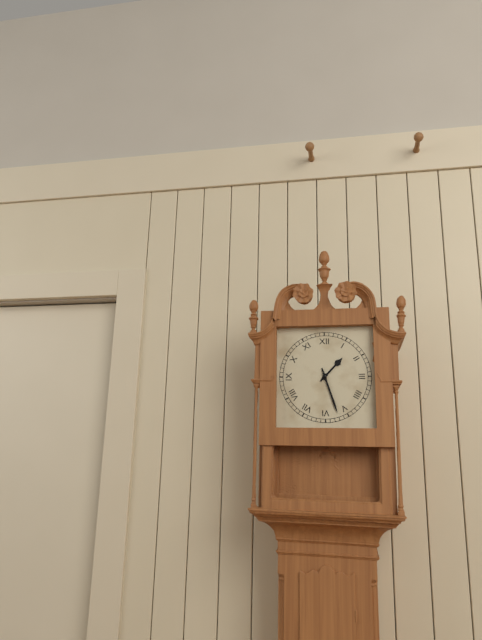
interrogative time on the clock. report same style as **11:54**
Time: **1:27**
